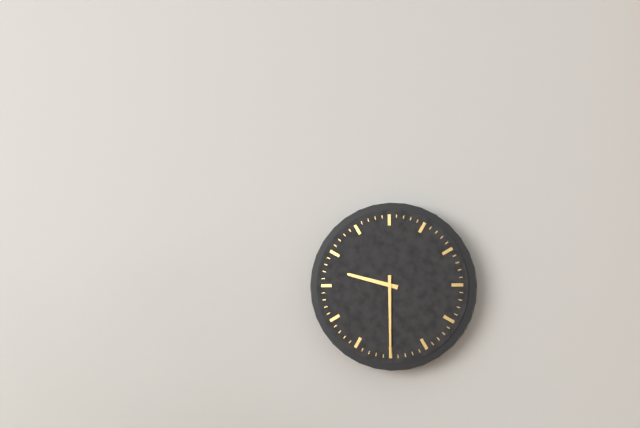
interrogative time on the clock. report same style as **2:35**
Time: **9:30**
